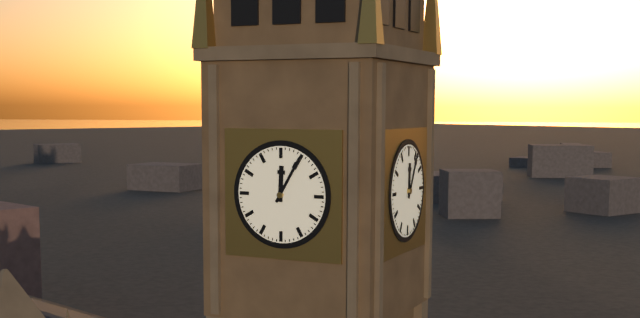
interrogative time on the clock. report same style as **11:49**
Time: **12:05**
